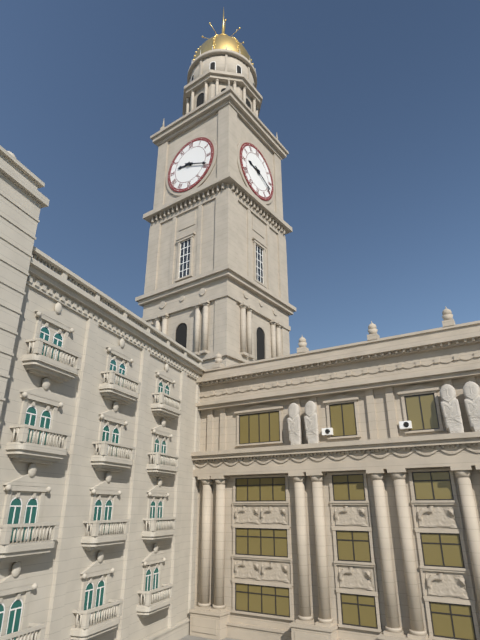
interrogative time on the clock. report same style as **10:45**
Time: **9:19**
